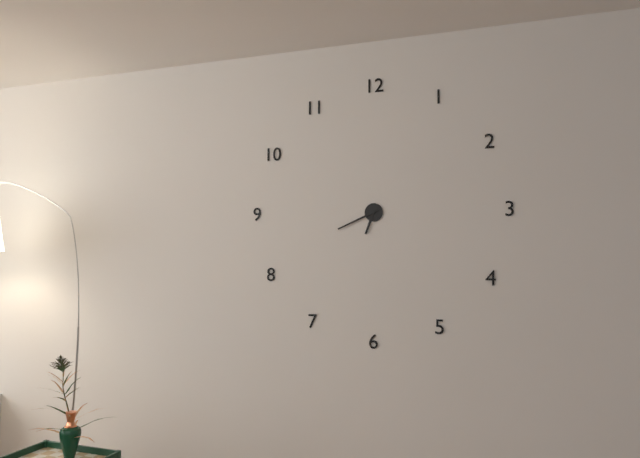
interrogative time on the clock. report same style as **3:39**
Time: **6:41**
